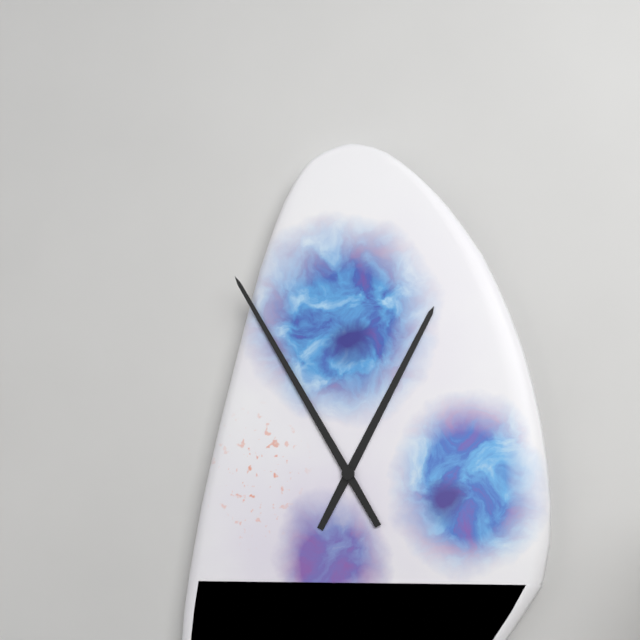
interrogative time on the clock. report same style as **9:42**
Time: **12:55**
